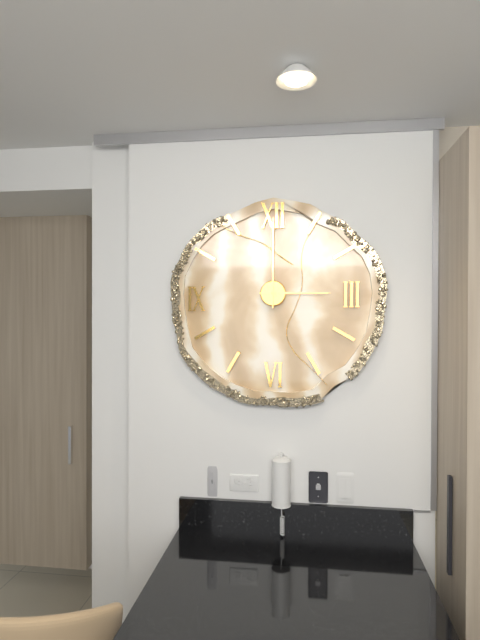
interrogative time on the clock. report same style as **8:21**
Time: **3:00**
